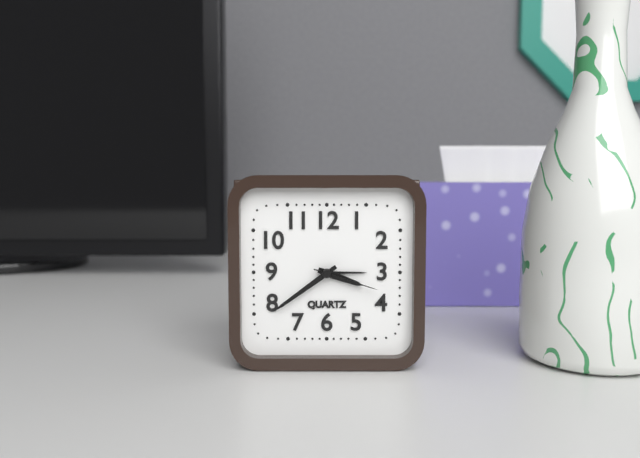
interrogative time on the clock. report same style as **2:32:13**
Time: **3:39:18**
